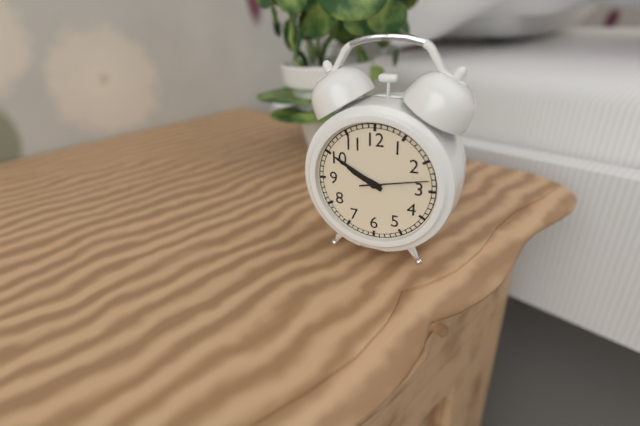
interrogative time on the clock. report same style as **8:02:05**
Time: **9:50:13**
